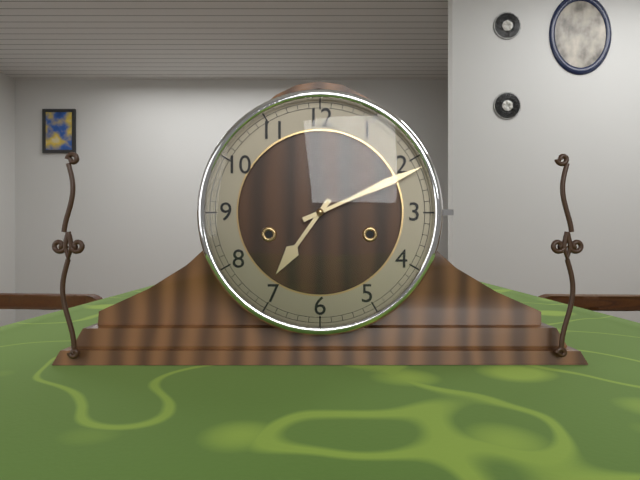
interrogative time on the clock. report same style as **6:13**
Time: **7:11**
